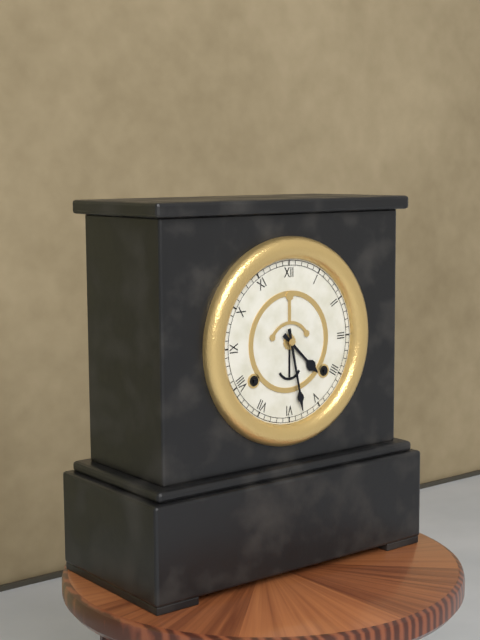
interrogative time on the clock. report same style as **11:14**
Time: **4:28**
